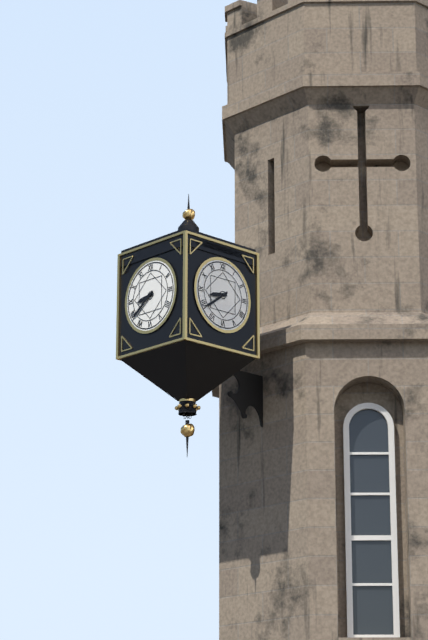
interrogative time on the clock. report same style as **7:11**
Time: **8:39**
